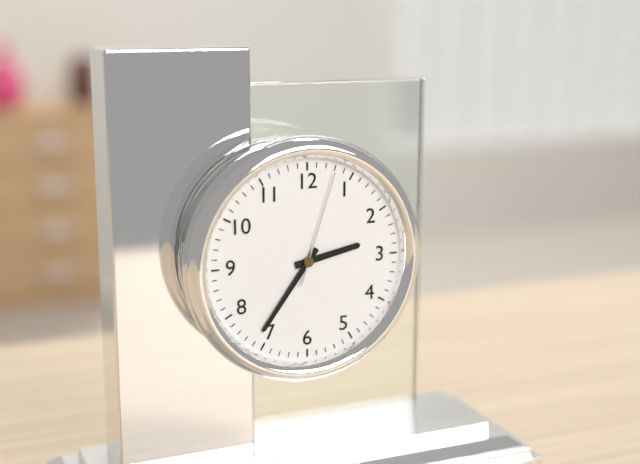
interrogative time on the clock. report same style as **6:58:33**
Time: **2:36:03**
